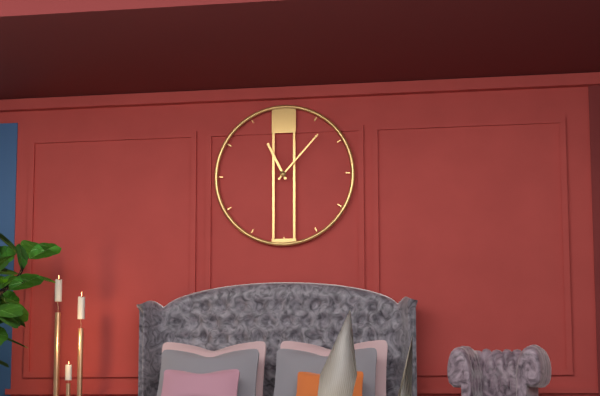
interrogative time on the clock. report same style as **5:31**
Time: **11:07**
